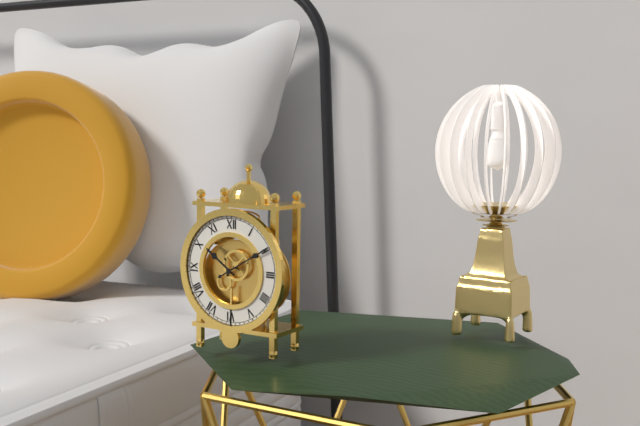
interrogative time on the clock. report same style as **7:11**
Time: **10:10**
